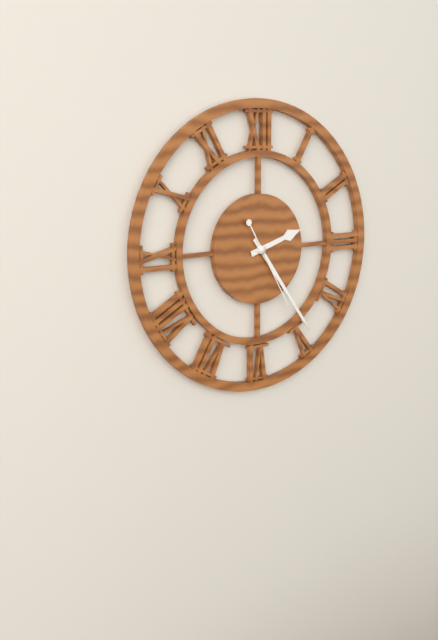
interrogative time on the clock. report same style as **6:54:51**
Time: **2:24:25**
